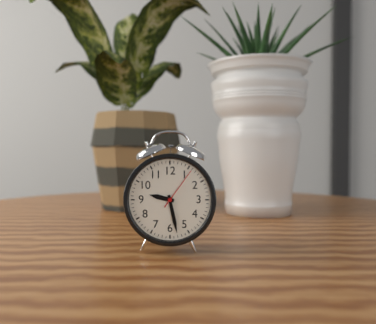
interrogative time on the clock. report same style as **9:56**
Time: **9:28**
